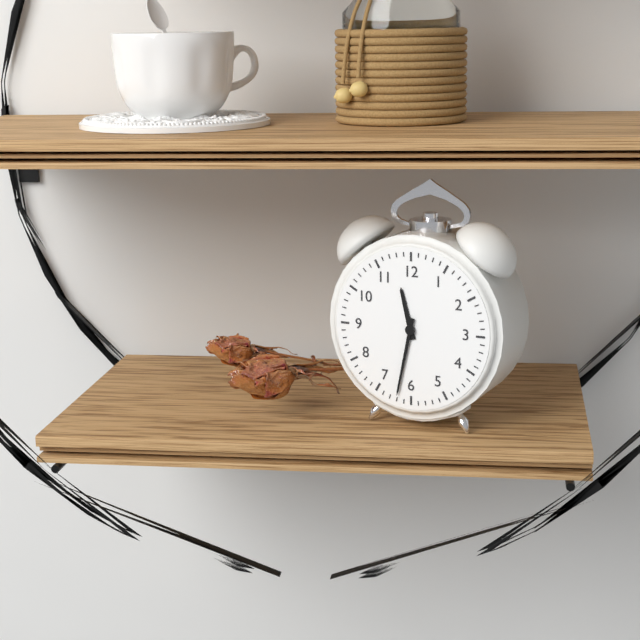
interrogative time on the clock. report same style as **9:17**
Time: **11:32**
